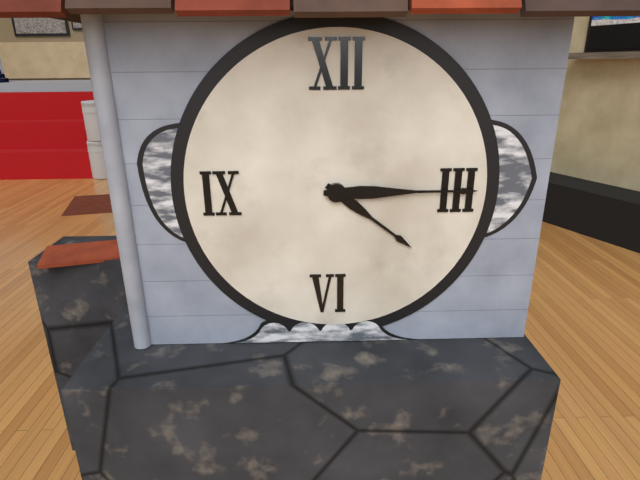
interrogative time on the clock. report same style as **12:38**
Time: **4:15**
